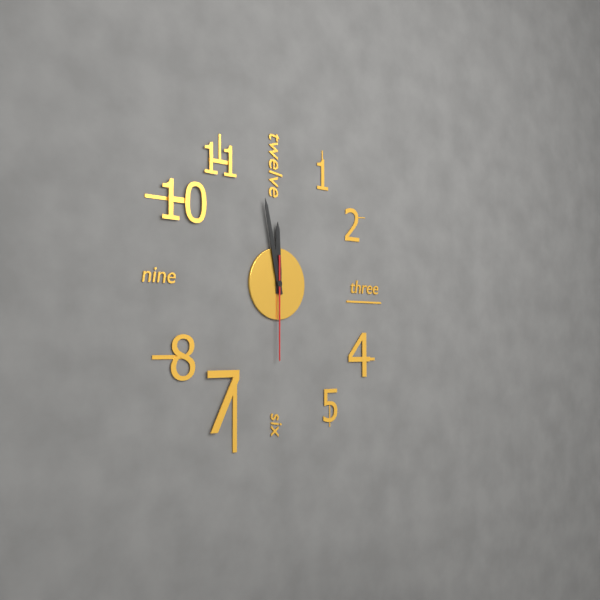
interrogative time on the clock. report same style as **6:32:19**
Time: **11:58:30**
